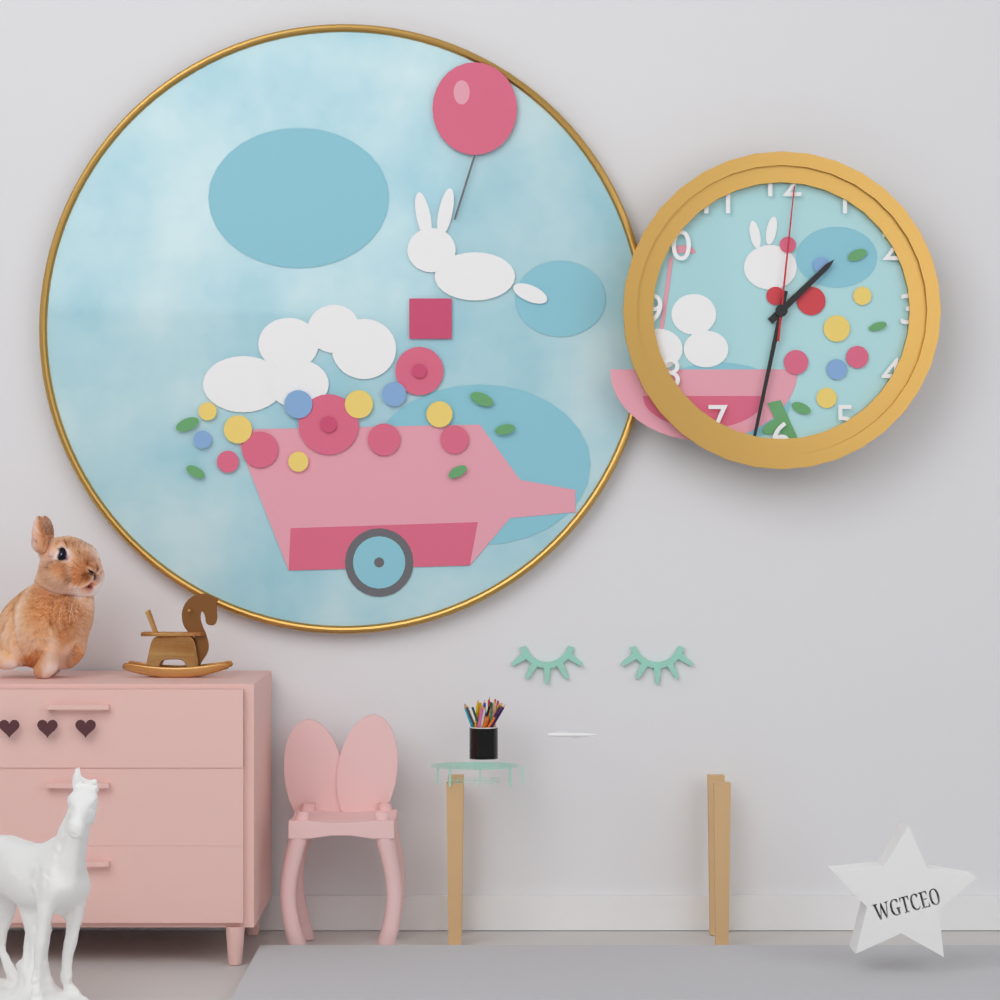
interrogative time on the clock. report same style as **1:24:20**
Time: **1:32:01**
